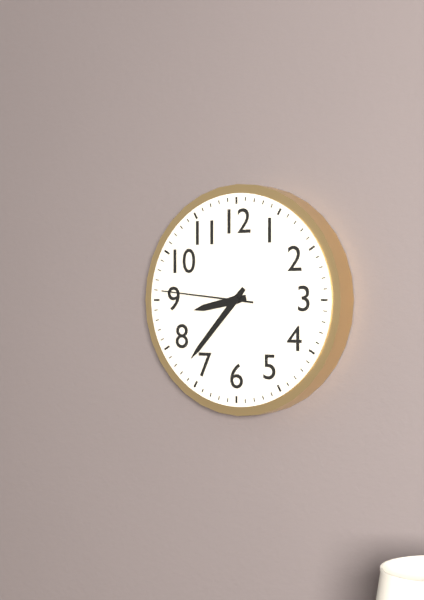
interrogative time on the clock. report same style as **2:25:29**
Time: **8:37:46**
